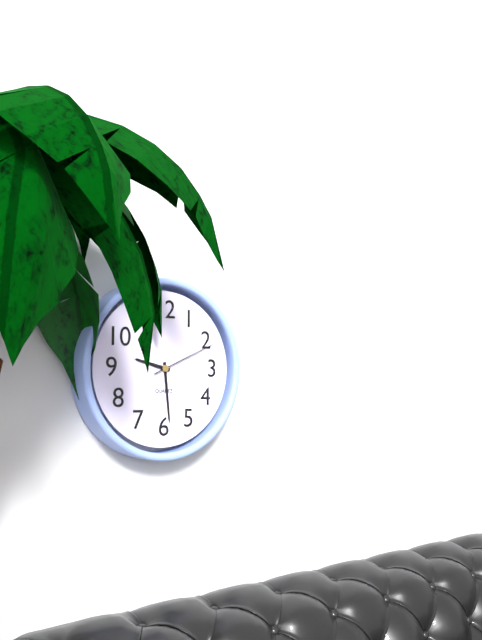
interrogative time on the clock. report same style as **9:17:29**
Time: **9:29:11**
